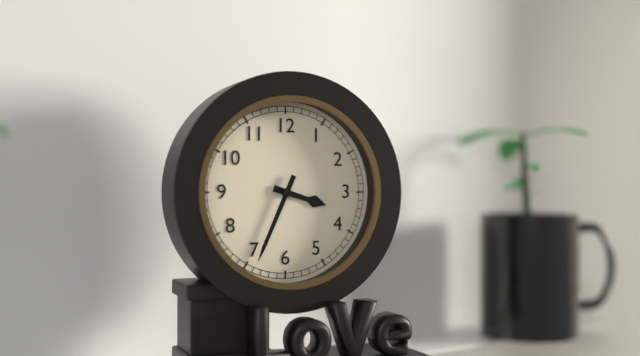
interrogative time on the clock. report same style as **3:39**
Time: **3:34**
